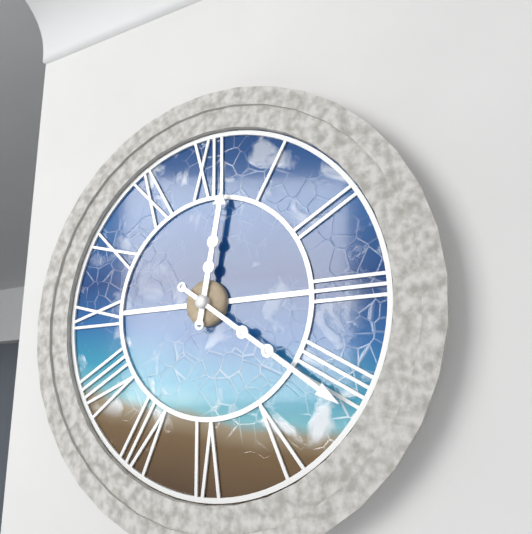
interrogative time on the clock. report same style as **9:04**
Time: **12:21**
